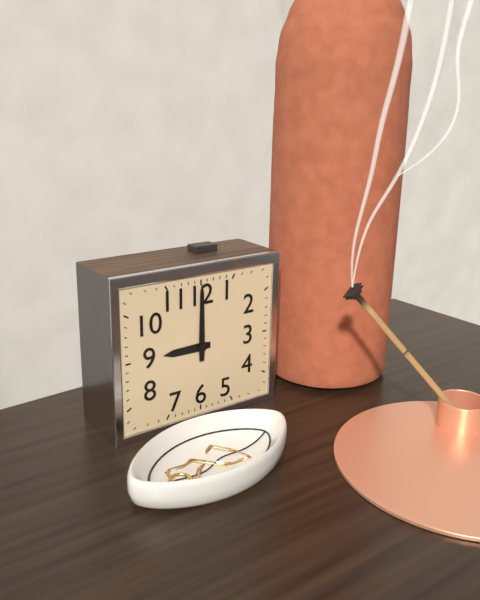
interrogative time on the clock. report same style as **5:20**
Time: **9:00**
